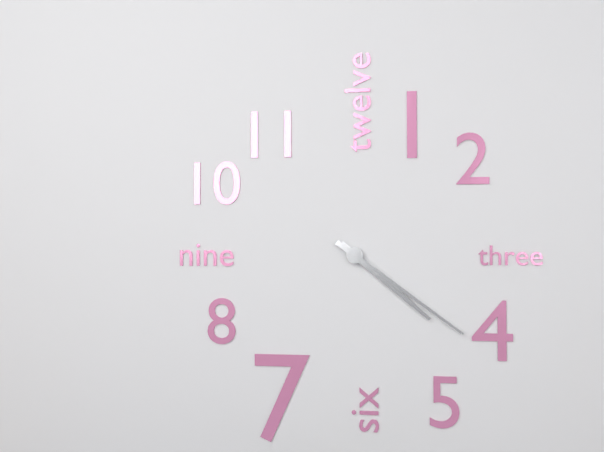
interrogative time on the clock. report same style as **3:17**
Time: **4:21**
